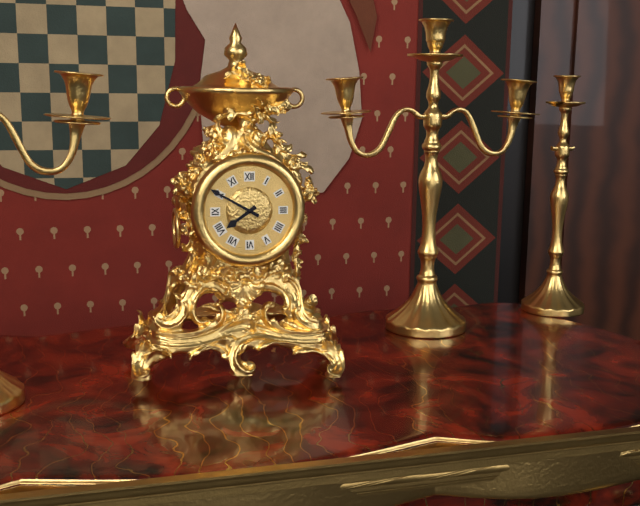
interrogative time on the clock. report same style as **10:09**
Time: **7:50**
